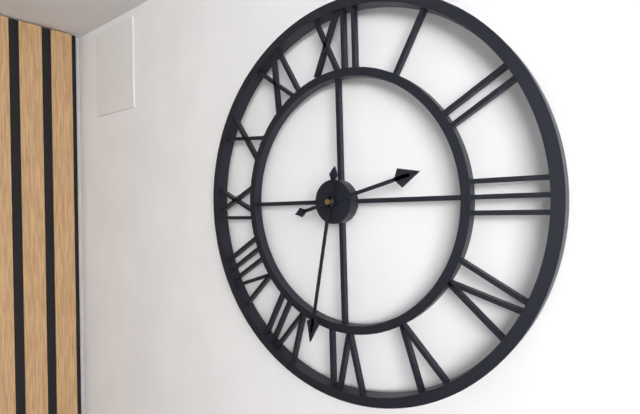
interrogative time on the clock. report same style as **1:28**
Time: **2:32**
